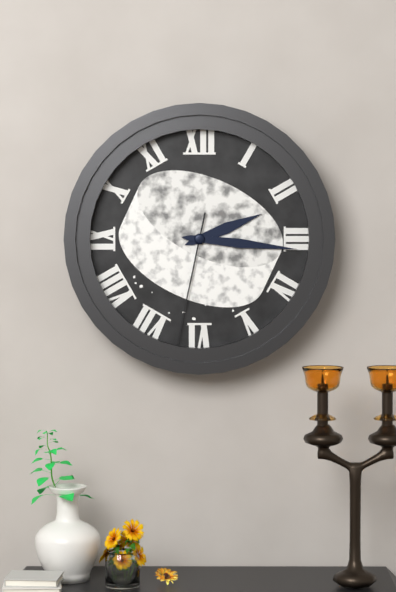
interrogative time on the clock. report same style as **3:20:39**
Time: **2:16:32**
